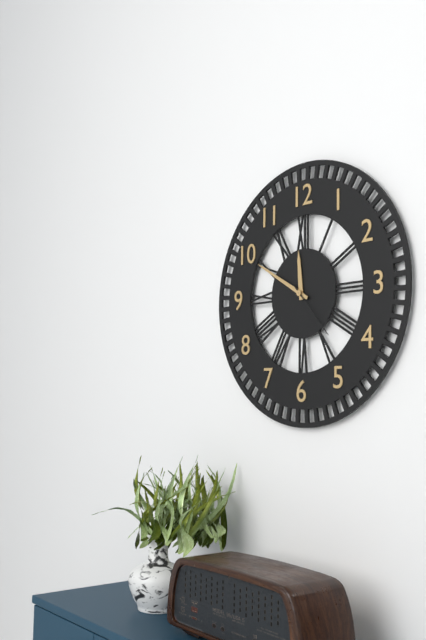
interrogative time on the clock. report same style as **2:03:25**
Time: **11:50:23**
